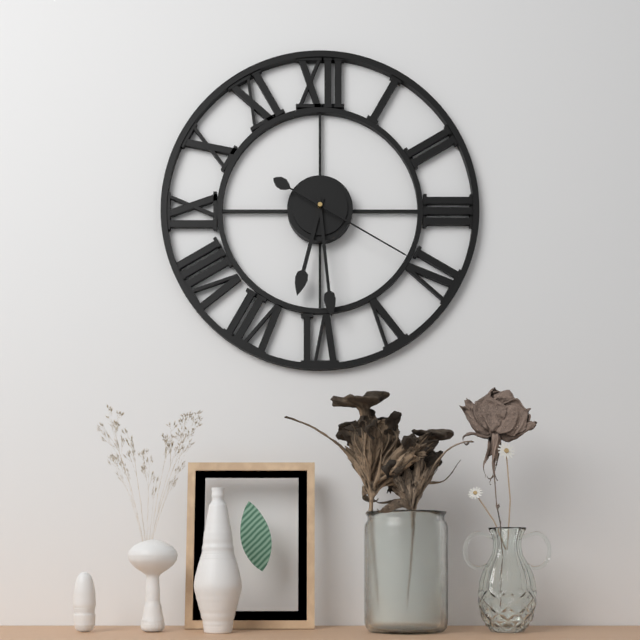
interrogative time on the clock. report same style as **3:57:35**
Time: **6:29:20**
